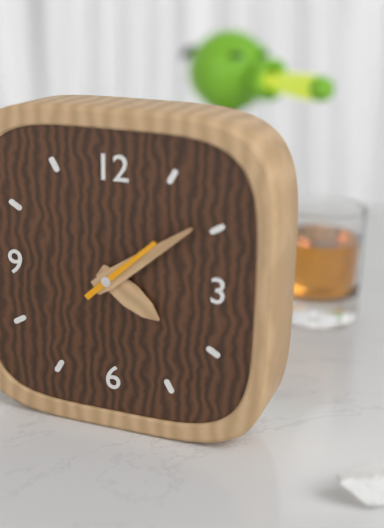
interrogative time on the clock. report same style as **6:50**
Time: **4:09**
